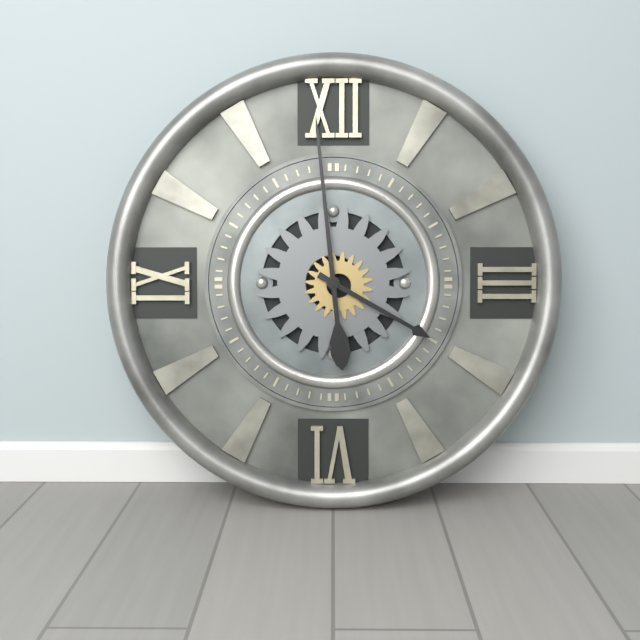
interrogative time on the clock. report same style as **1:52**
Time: **3:59**
